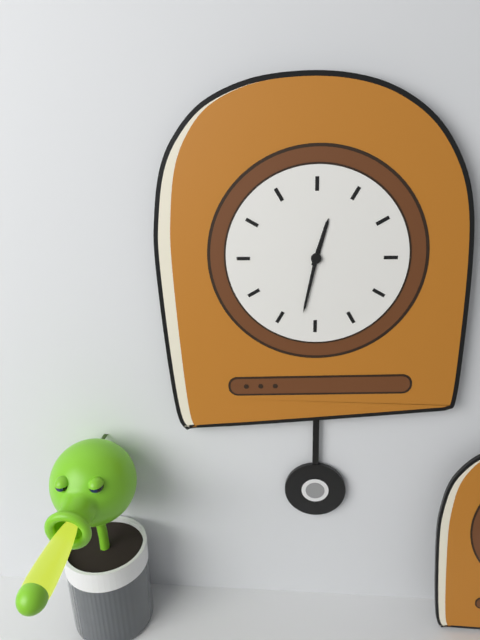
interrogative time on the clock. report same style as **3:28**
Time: **12:32**
